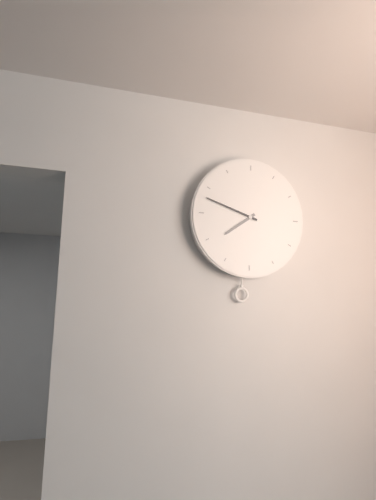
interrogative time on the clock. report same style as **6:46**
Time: **7:48**
